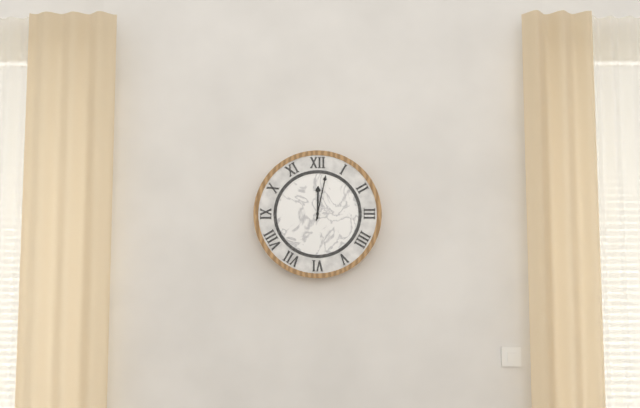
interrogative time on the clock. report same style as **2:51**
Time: **12:02**
